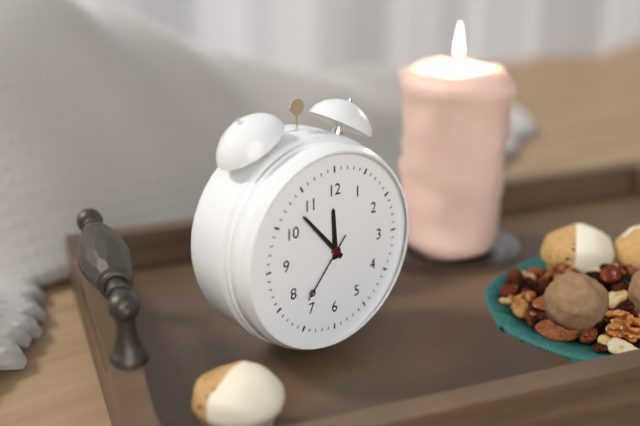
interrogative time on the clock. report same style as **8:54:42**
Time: **11:53:37**
